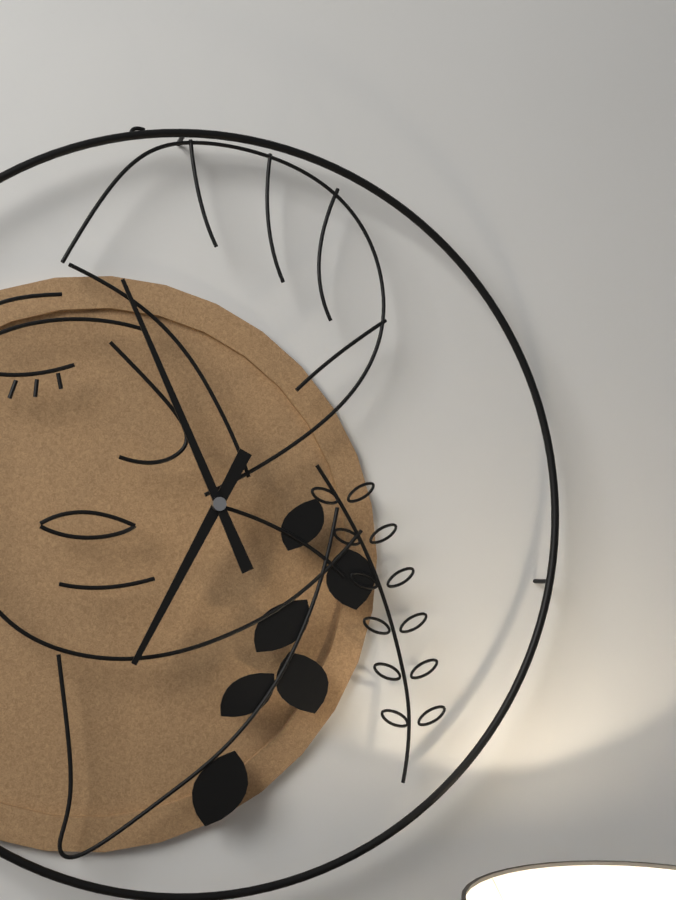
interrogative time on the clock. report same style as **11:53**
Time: **6:56**
